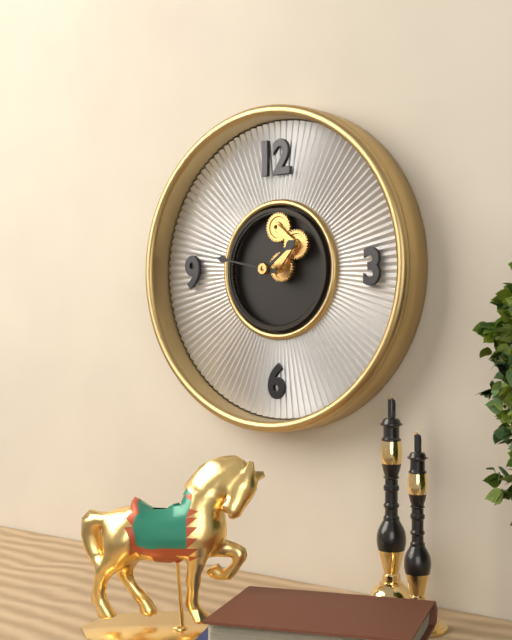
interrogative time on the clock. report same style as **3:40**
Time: **1:47**
